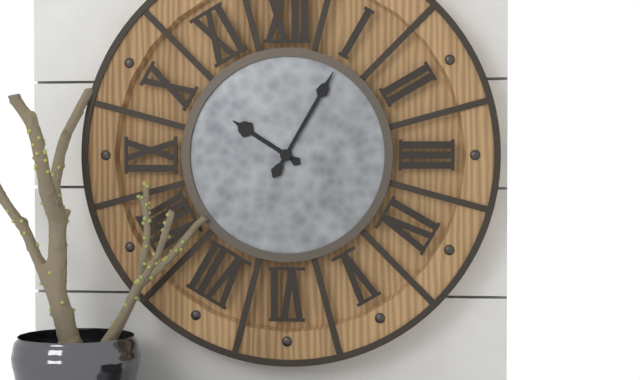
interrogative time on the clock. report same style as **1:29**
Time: **10:05**
